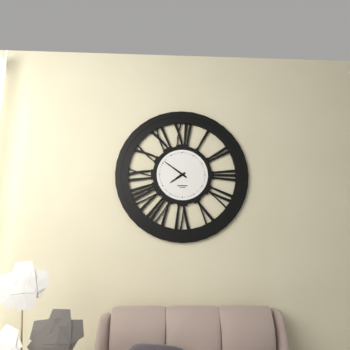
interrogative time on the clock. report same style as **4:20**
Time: **7:51**
